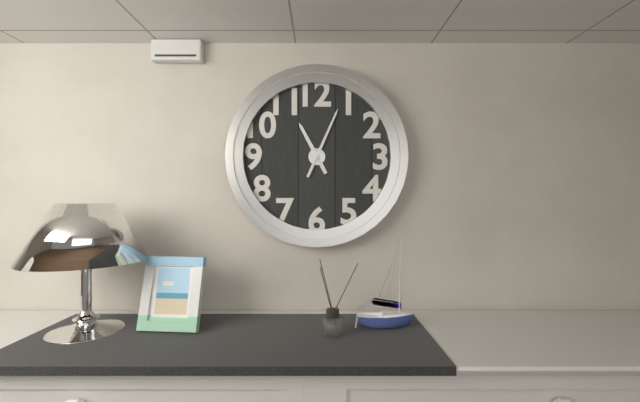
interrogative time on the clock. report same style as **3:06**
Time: **11:04**
